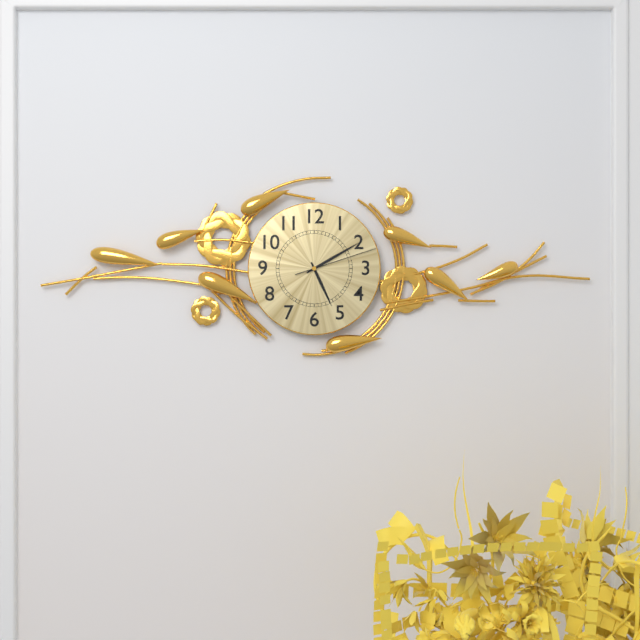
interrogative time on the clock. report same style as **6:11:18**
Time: **5:10:12**
